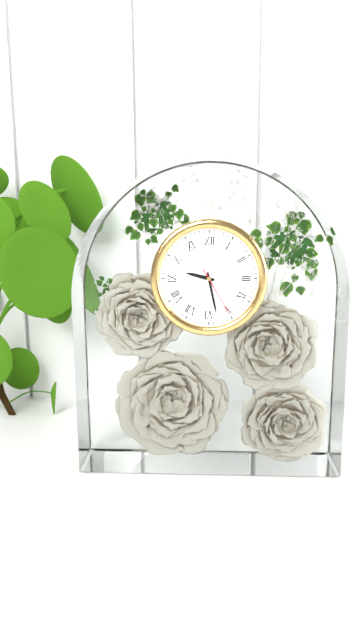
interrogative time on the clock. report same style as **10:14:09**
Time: **9:28:25**
